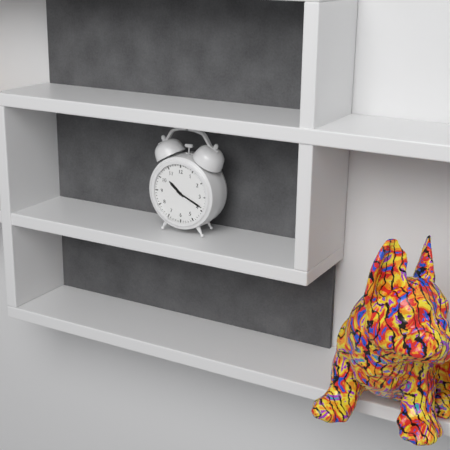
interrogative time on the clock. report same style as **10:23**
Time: **10:19**
